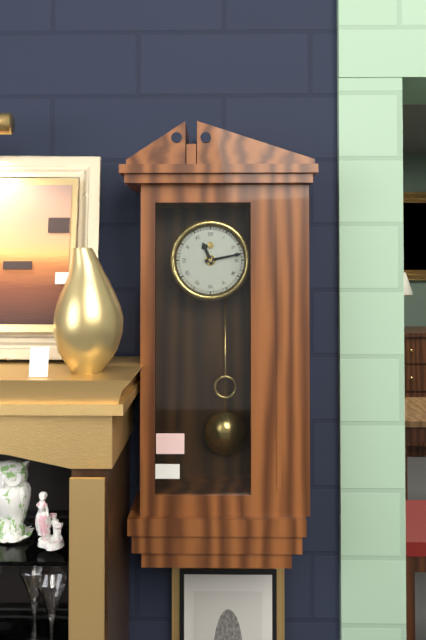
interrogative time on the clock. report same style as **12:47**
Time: **11:13**
